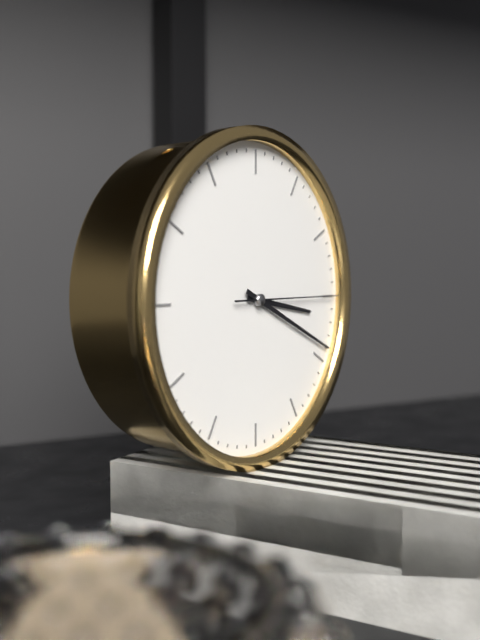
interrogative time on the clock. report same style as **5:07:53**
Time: **3:19:15**
